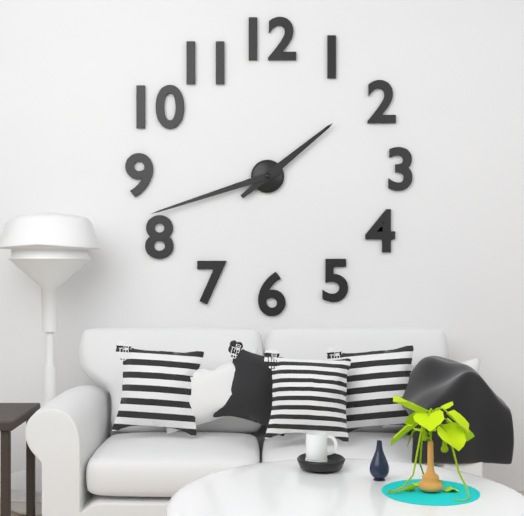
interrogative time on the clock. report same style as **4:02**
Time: **1:42**
